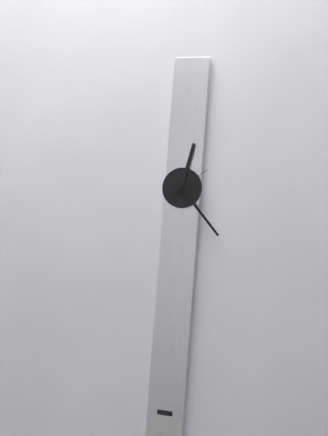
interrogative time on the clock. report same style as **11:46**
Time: **12:23**
